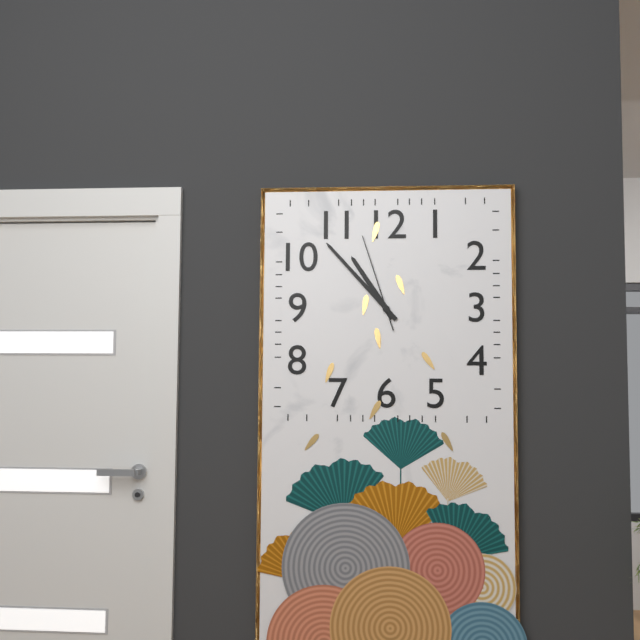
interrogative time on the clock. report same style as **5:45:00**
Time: **10:53:57**
